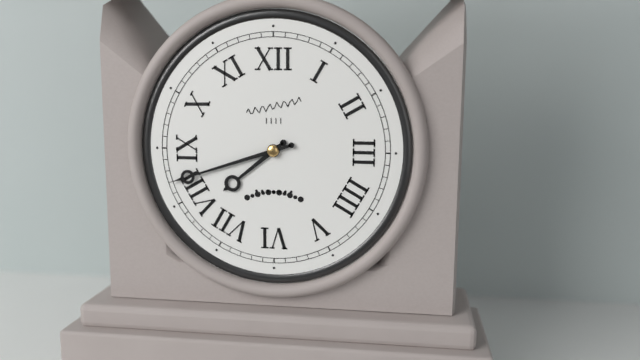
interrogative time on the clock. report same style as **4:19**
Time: **7:42**
